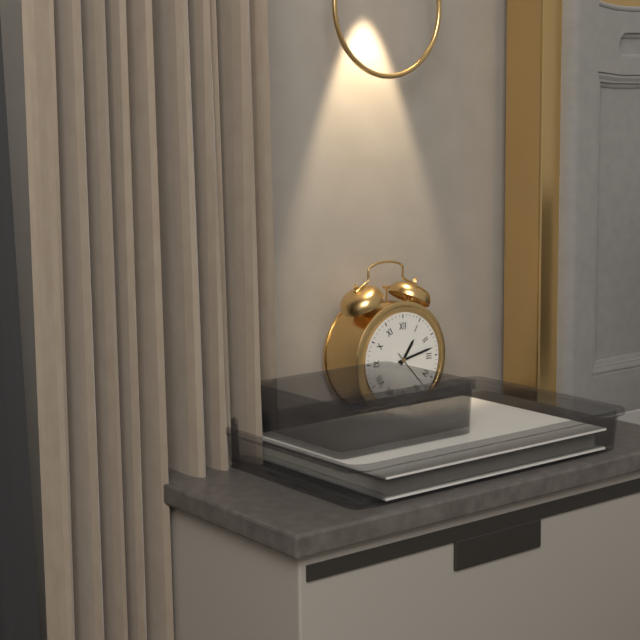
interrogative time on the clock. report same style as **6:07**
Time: **1:13**
